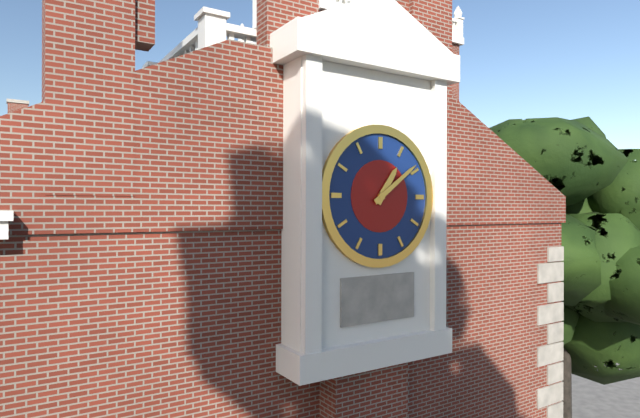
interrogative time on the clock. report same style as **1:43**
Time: **1:09**
